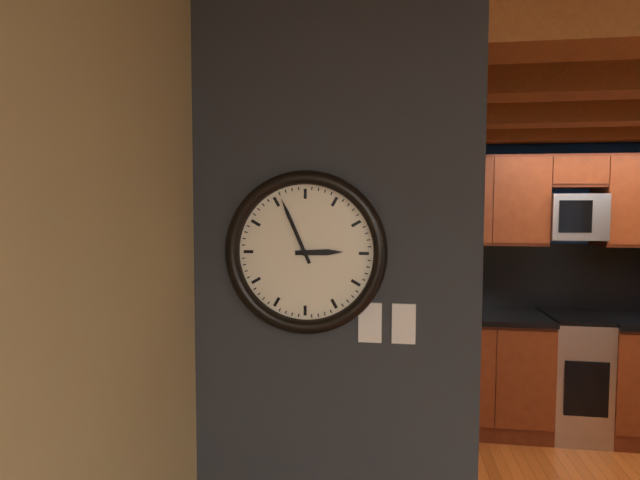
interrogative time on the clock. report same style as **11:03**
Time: **2:56**
